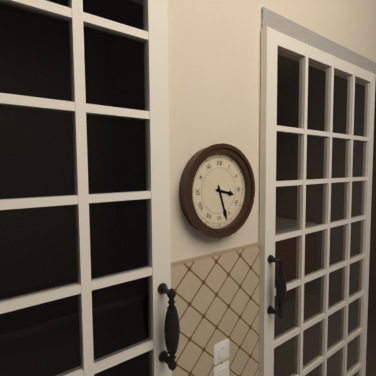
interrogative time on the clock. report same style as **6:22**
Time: **3:27**
